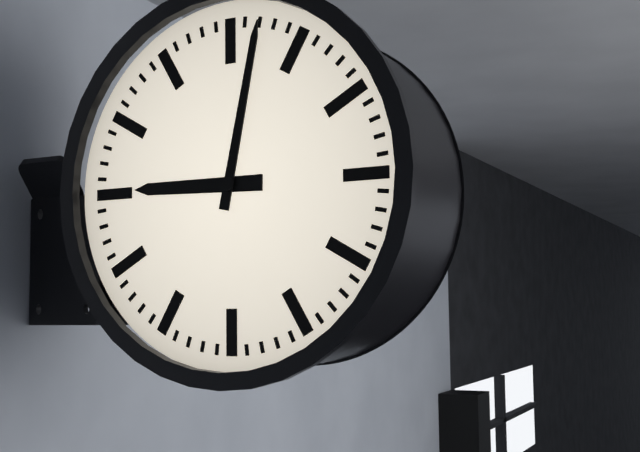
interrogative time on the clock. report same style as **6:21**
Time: **9:02**
